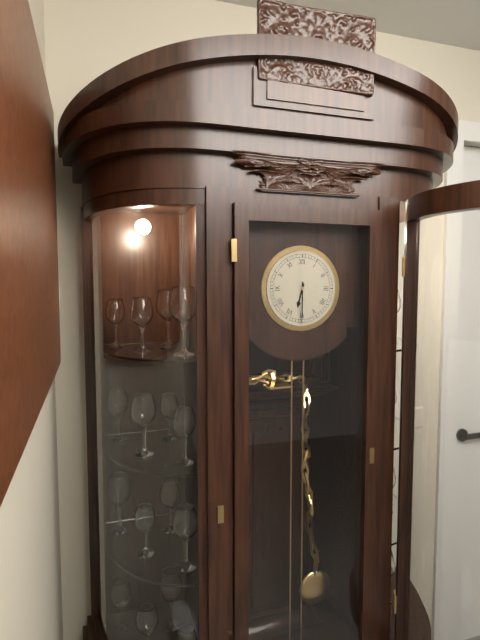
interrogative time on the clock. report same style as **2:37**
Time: **6:30**
